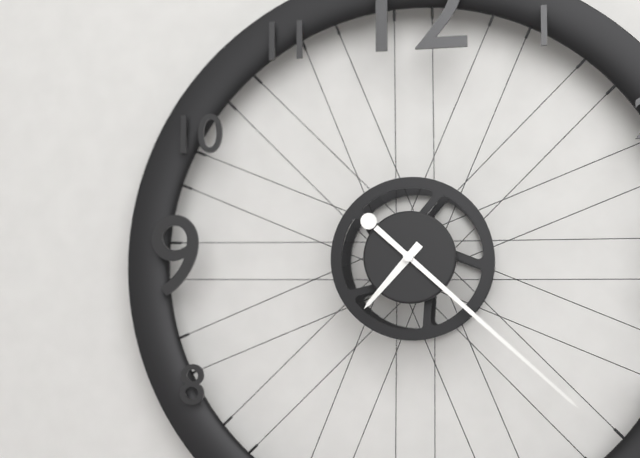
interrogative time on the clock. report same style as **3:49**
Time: **7:22**
